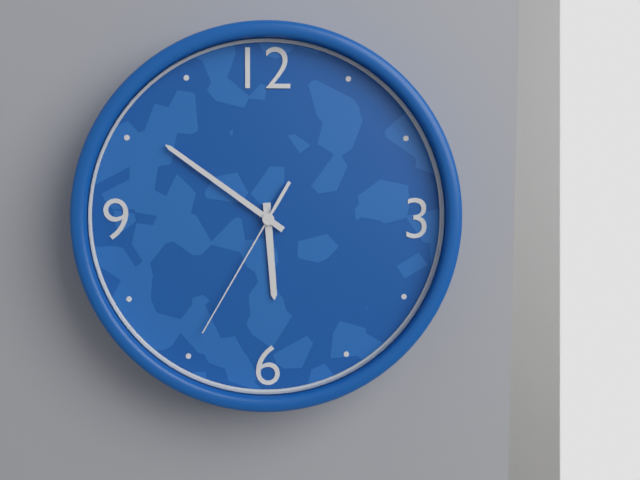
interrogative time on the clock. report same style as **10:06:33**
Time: **5:51:35**
